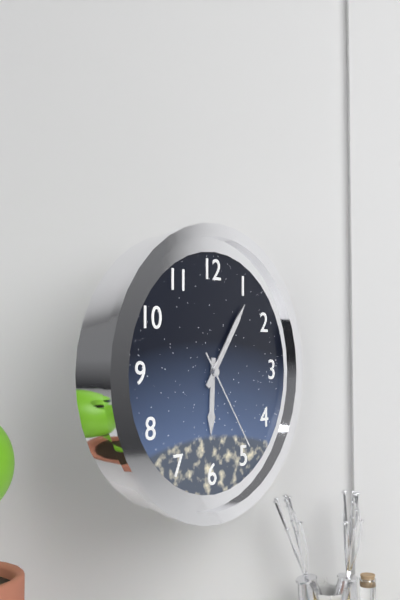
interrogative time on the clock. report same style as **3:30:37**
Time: **6:06:24**
